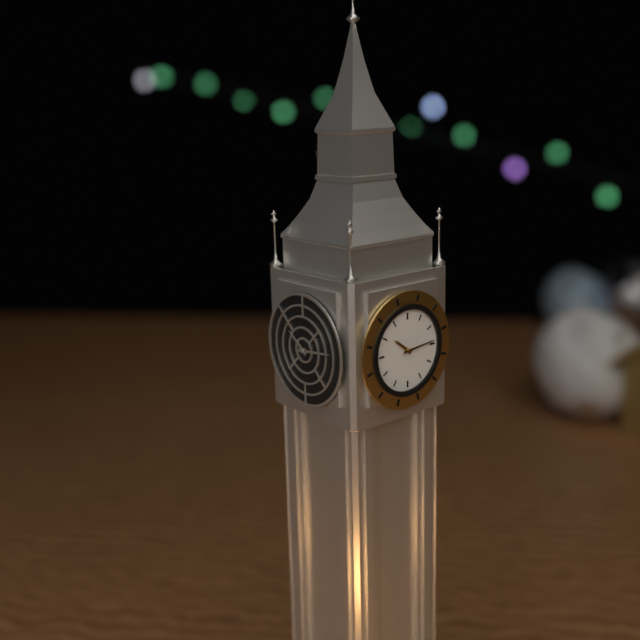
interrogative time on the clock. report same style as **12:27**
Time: **10:14**
